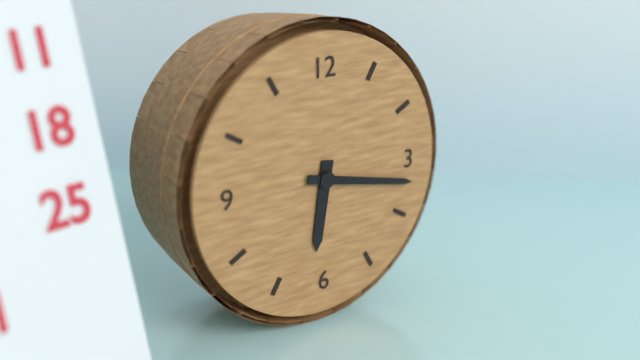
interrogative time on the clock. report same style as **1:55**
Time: **6:17**
